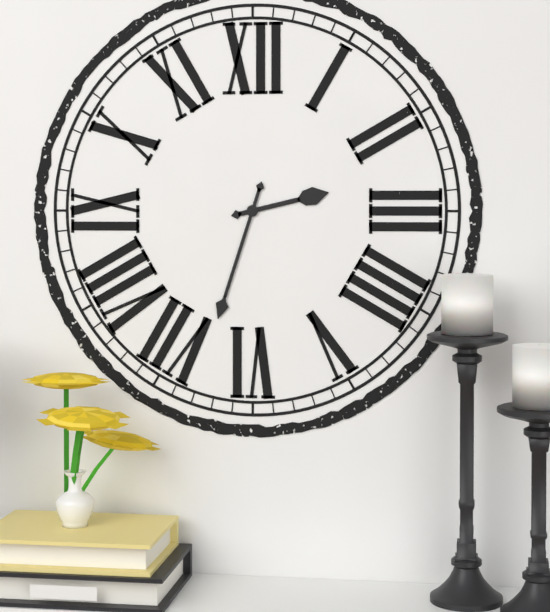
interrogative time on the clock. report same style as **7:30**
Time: **2:33**
